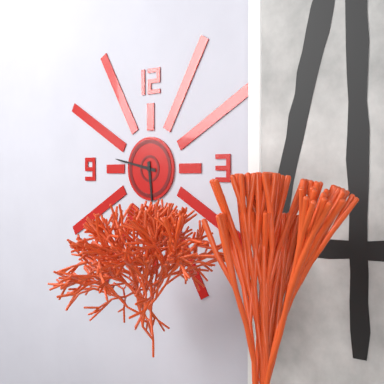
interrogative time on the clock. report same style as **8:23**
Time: **5:47**
